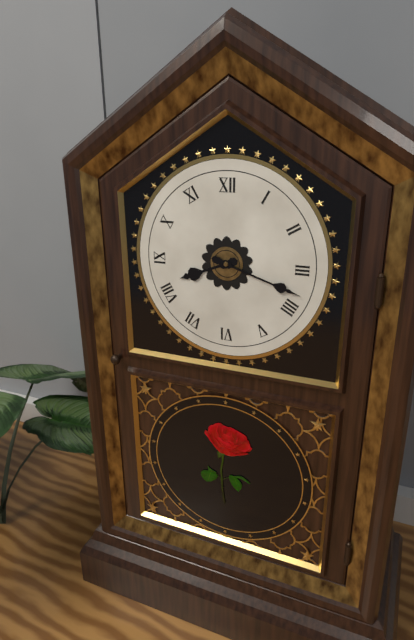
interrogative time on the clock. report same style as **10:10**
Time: **8:18**
